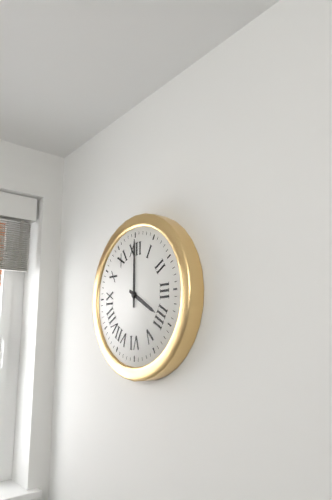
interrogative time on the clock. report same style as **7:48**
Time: **4:00**
